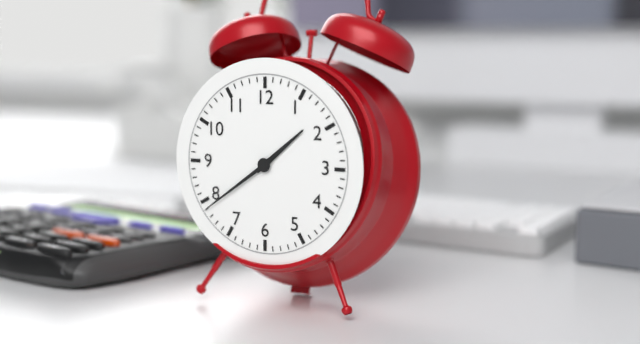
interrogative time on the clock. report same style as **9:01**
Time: **1:39**
